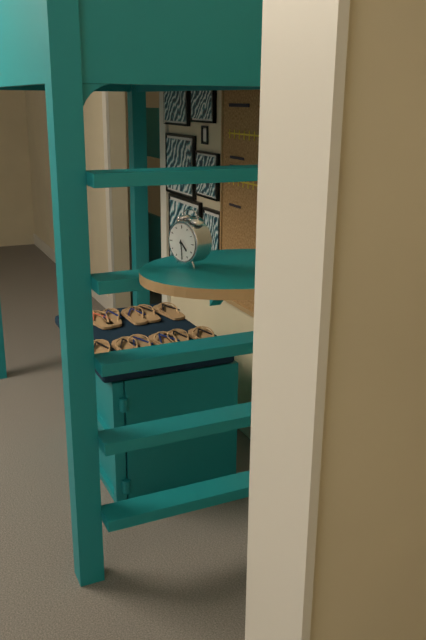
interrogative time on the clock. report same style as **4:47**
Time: **4:29**
